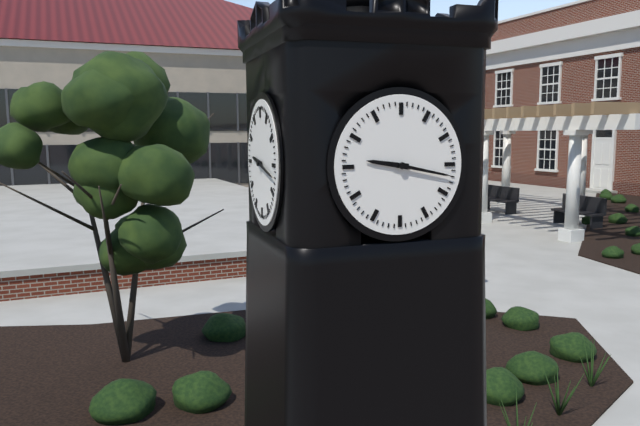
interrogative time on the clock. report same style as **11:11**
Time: **9:17**
